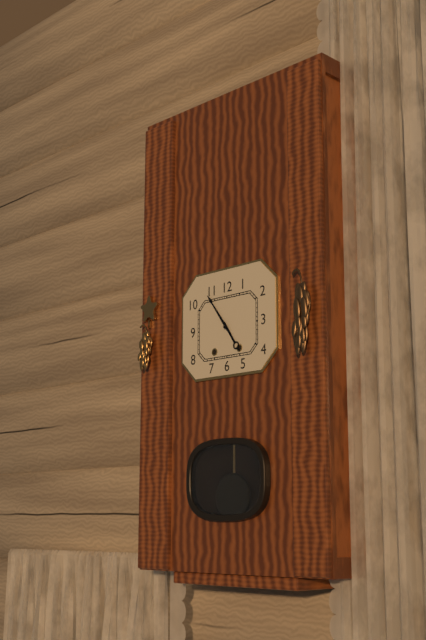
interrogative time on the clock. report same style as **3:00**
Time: **4:54**
